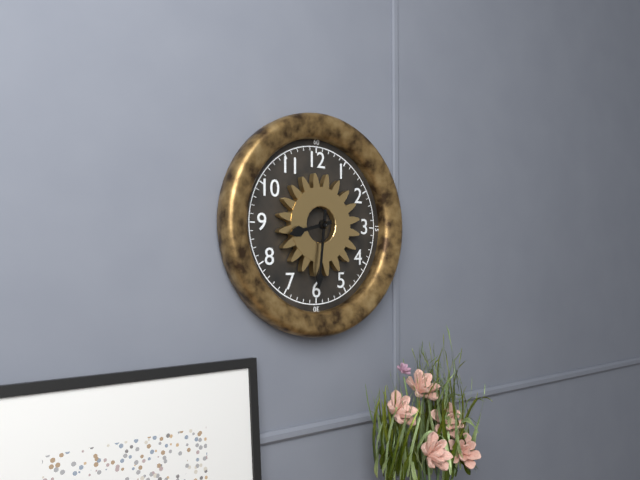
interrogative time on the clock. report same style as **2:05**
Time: **8:31**
